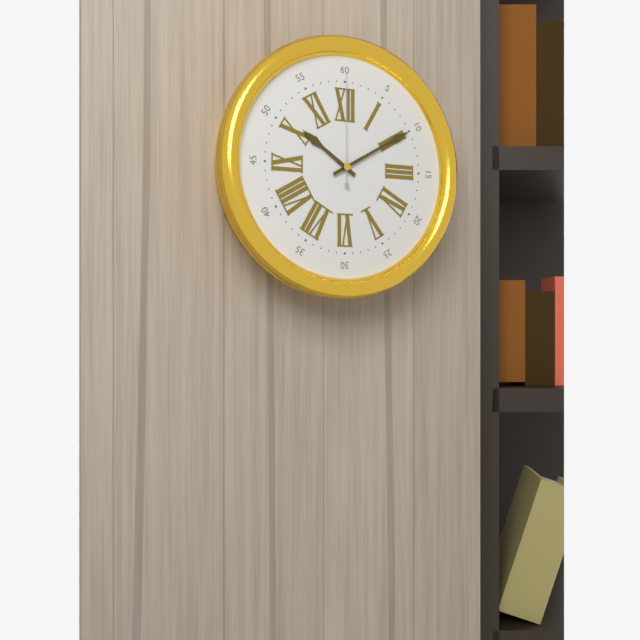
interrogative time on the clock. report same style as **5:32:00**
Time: **10:10:00**
